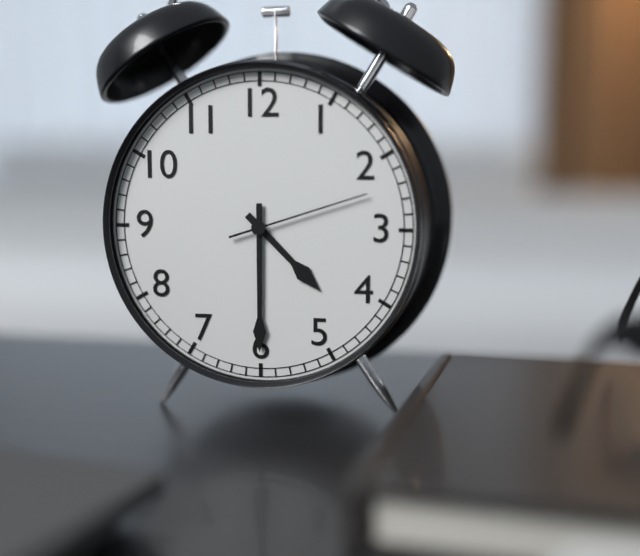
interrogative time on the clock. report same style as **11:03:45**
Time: **4:30:12**
